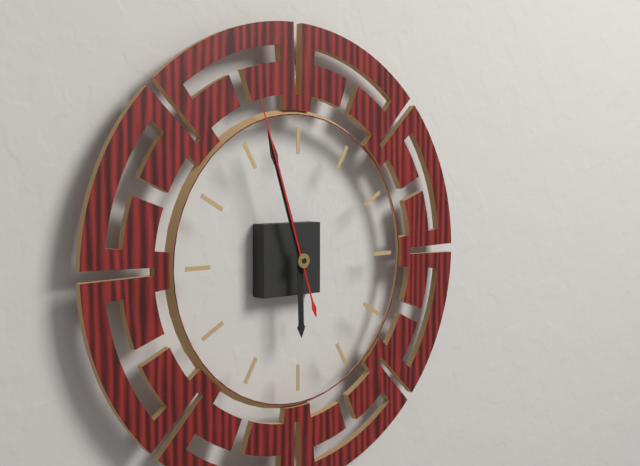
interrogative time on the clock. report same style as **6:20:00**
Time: **5:57:57**
